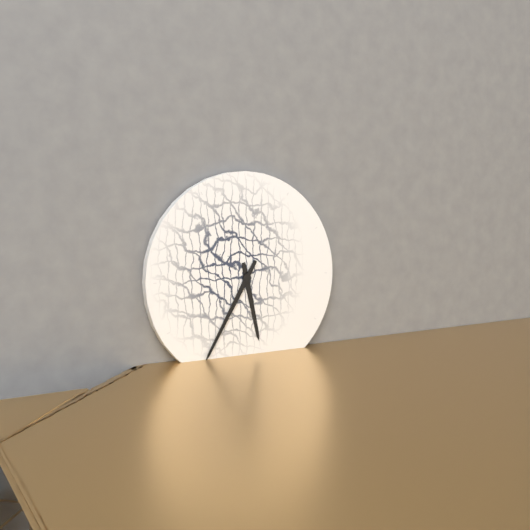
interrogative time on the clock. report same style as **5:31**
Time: **5:35**
